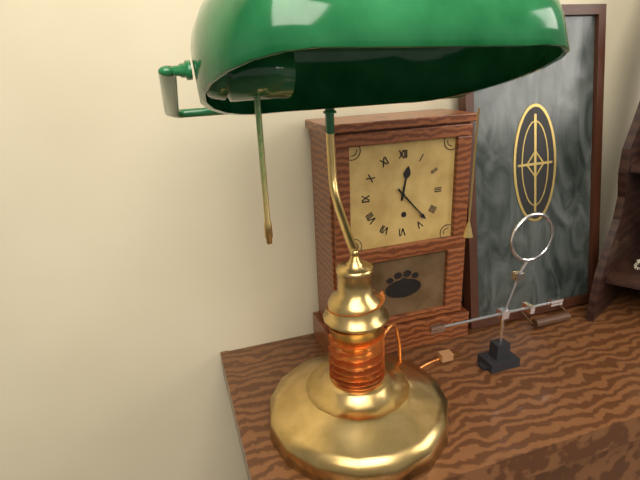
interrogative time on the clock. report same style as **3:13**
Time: **12:23**
